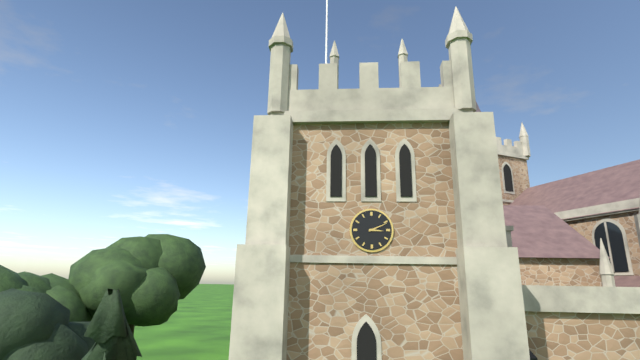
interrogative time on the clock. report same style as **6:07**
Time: **3:11**
